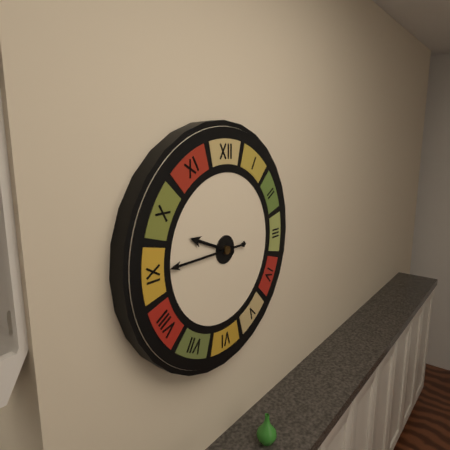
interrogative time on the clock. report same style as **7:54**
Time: **9:45**
